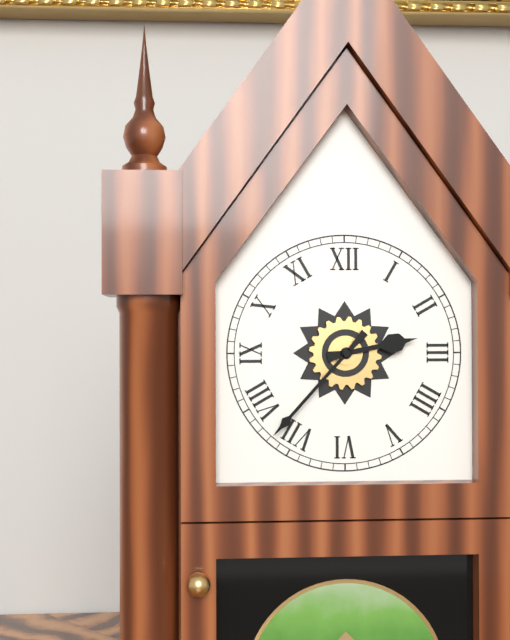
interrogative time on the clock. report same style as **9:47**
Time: **2:37**
